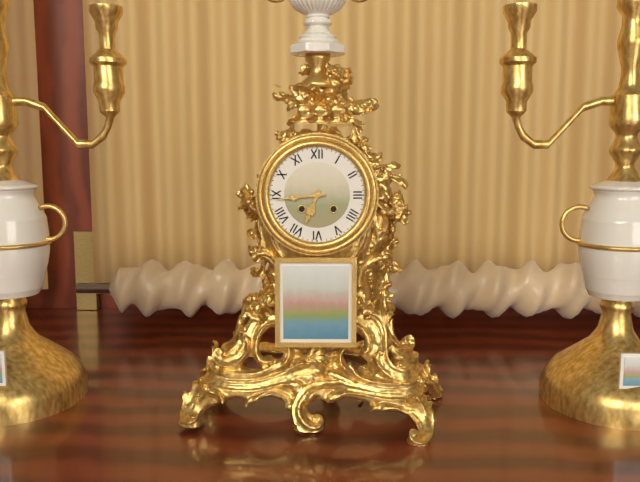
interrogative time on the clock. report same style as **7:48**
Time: **6:44**
